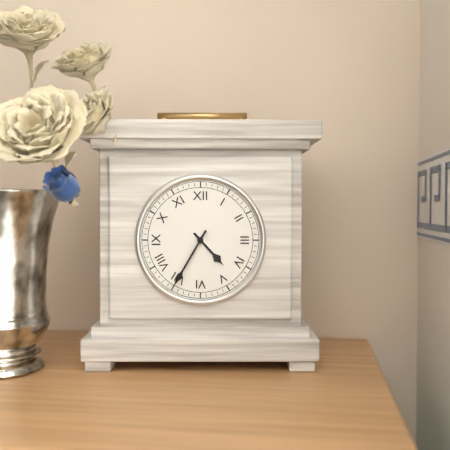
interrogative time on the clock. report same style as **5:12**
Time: **4:35**
